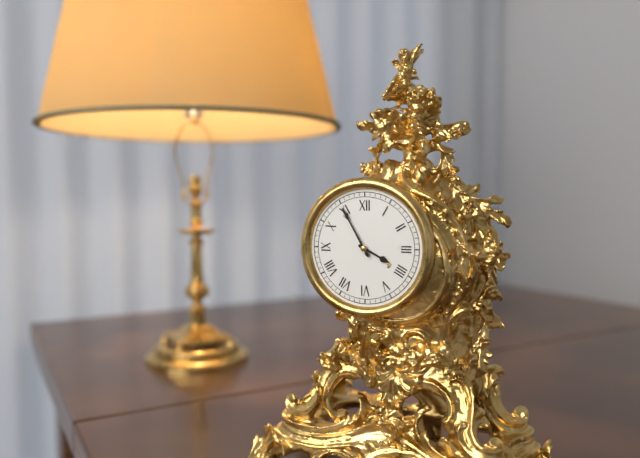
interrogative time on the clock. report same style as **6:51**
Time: **3:55**
